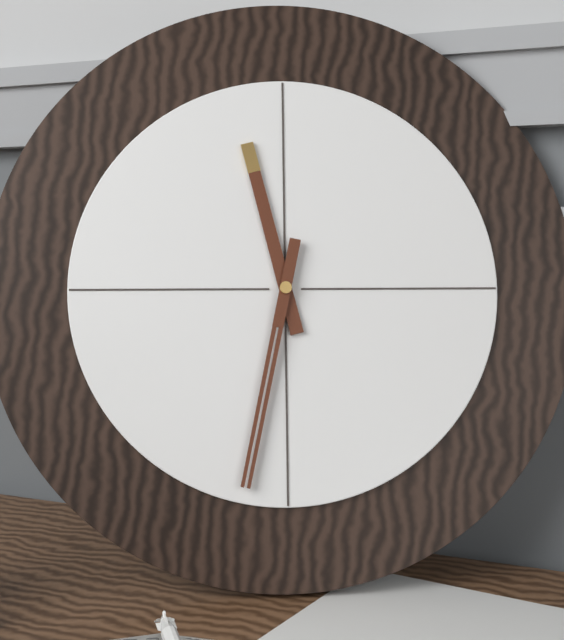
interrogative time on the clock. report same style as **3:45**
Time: **11:32**
